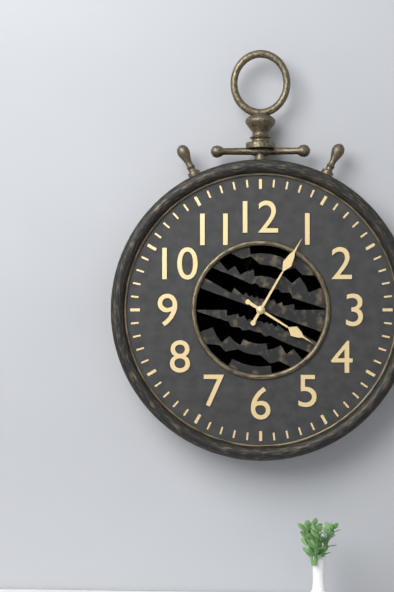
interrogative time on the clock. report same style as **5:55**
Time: **4:05**
